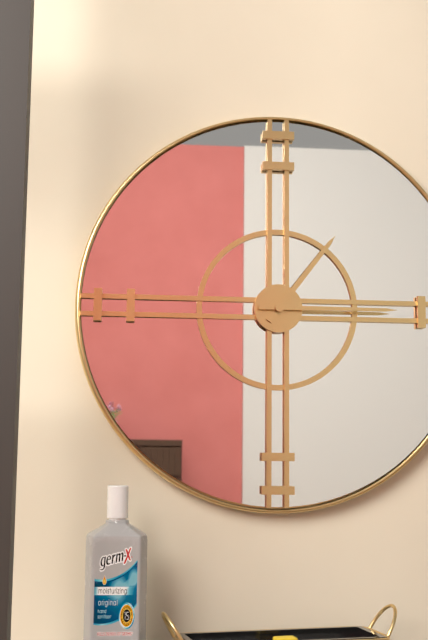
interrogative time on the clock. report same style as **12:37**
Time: **1:15**
